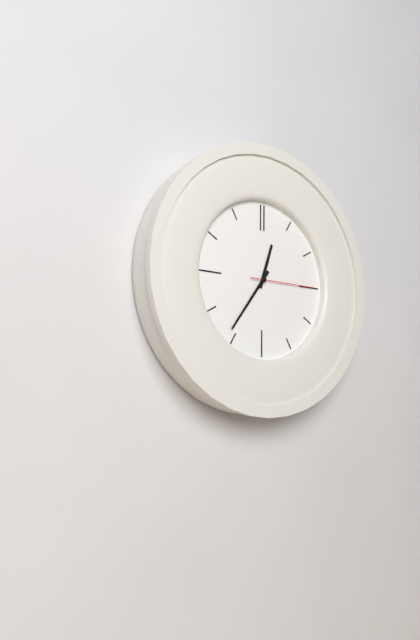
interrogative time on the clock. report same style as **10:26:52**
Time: **12:36:15**
